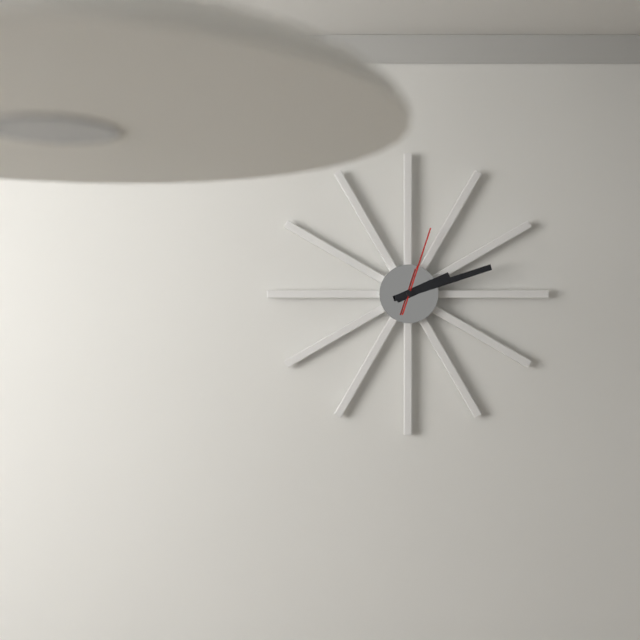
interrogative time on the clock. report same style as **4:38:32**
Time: **2:12:03**
